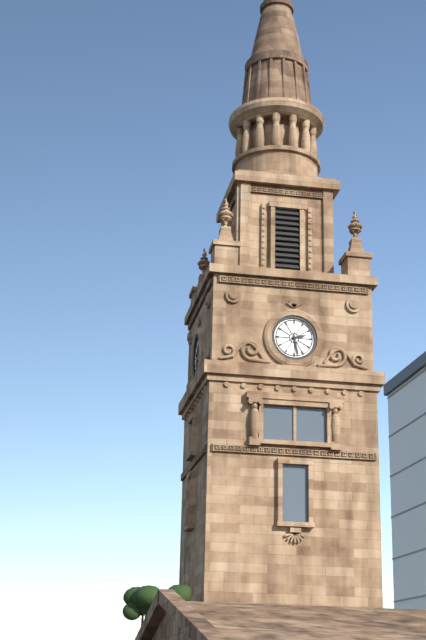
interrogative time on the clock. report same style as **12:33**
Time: **2:28**
